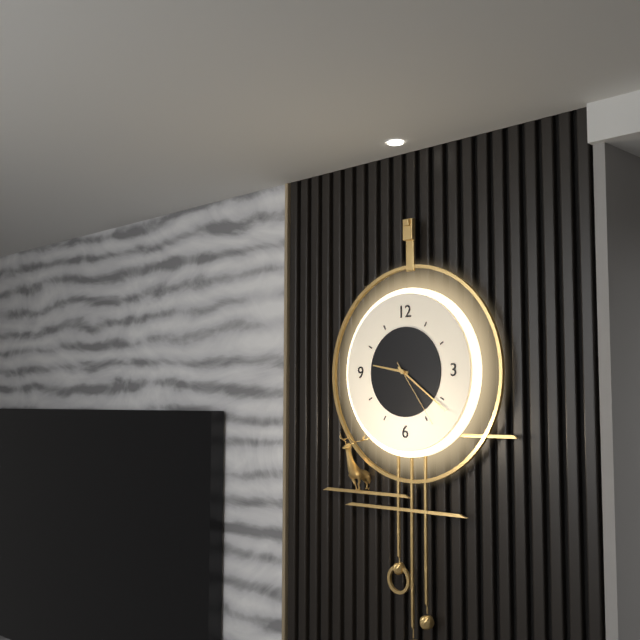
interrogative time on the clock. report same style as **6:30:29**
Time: **9:21:24**
